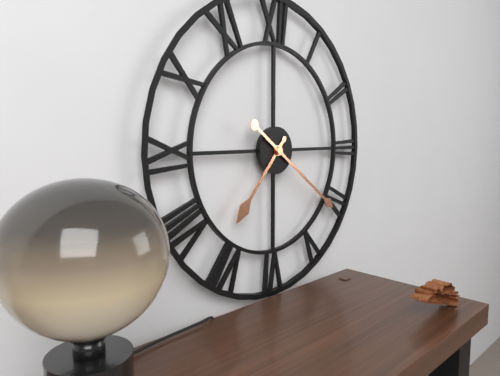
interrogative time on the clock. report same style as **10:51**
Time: **7:21**
